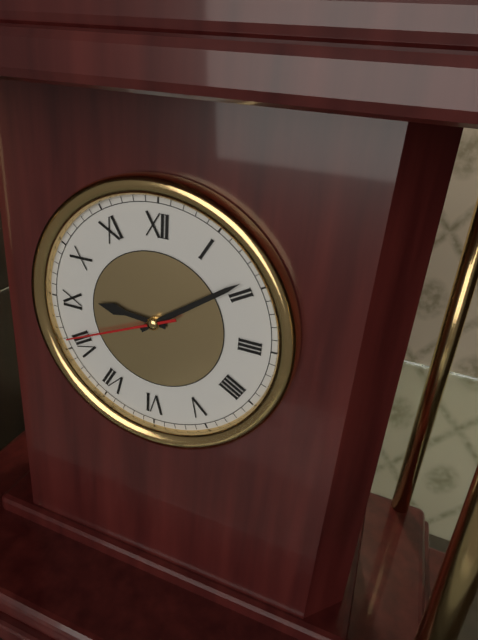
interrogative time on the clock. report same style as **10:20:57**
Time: **9:09:41**
